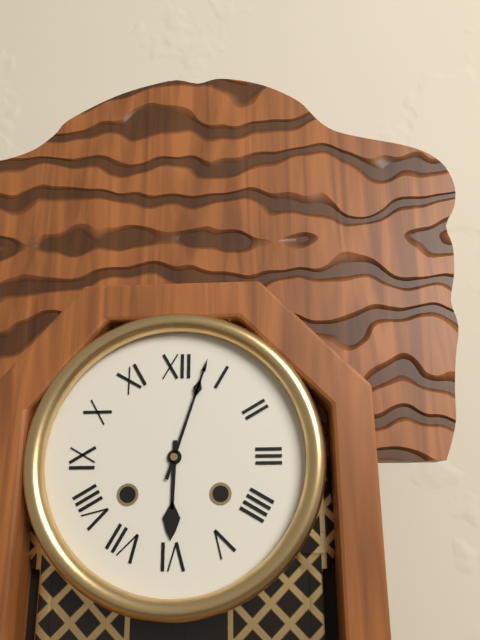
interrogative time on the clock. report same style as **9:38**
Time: **6:03**
